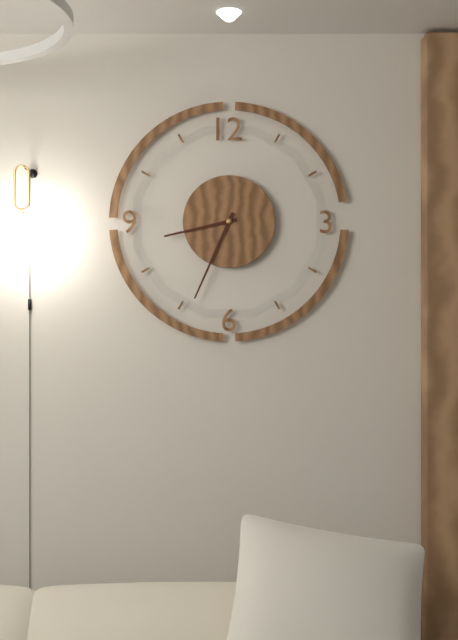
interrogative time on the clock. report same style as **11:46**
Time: **8:34**
